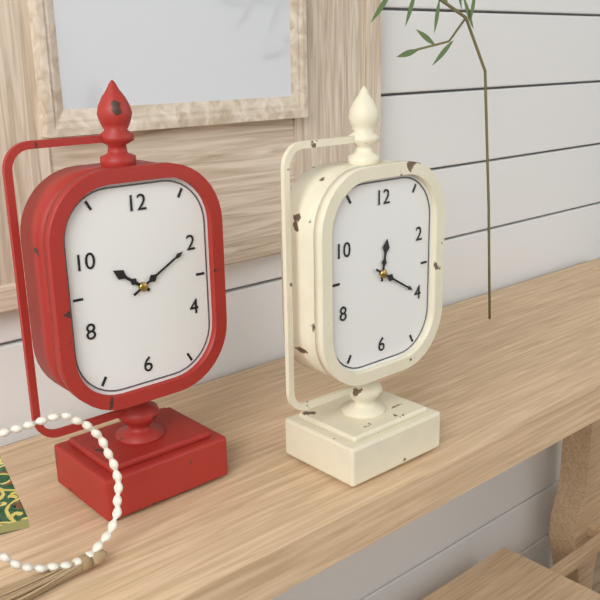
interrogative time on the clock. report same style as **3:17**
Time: **12:20**
